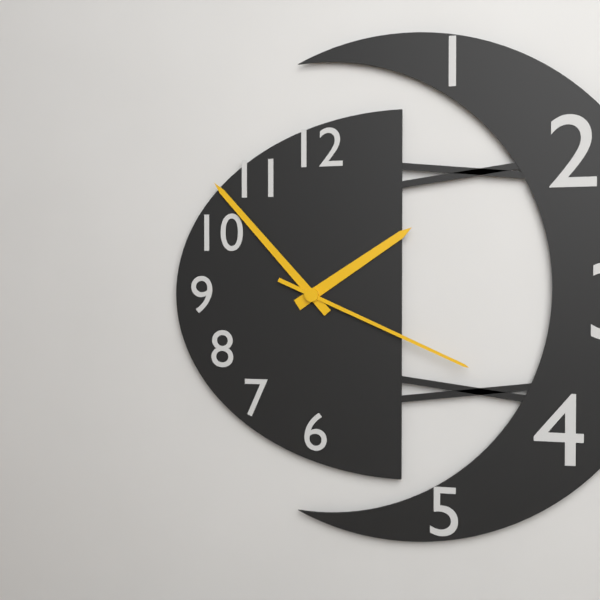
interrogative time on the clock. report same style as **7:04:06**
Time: **1:53:19**
